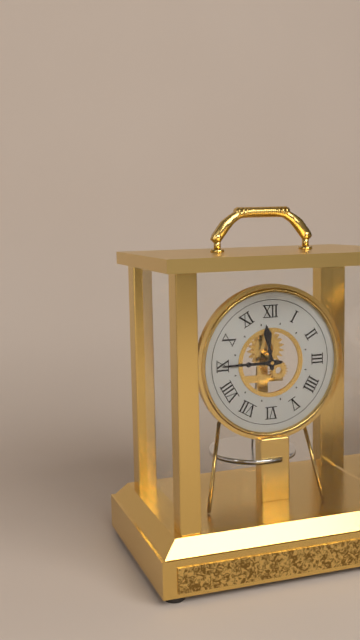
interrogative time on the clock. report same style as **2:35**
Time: **11:45**
